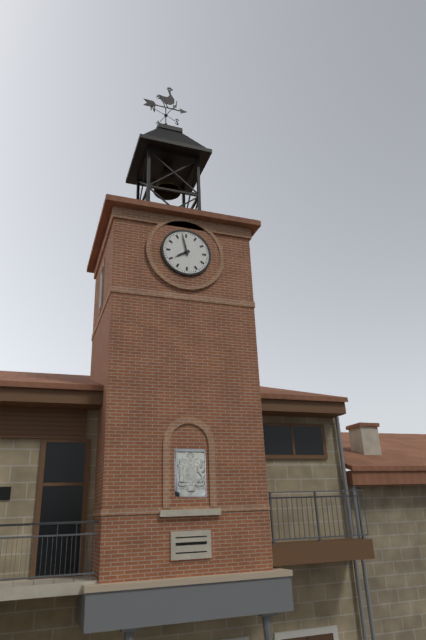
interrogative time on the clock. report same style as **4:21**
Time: **7:58**
